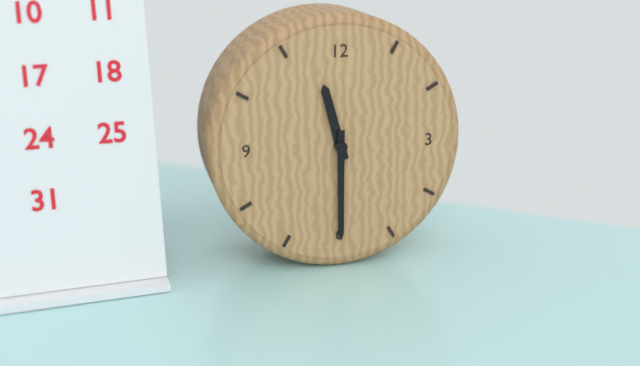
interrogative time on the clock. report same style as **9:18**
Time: **11:30**
